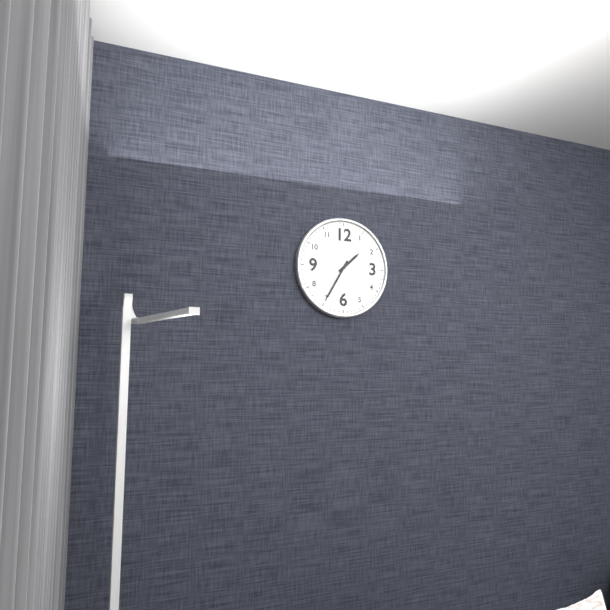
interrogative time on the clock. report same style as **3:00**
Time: **1:35**
